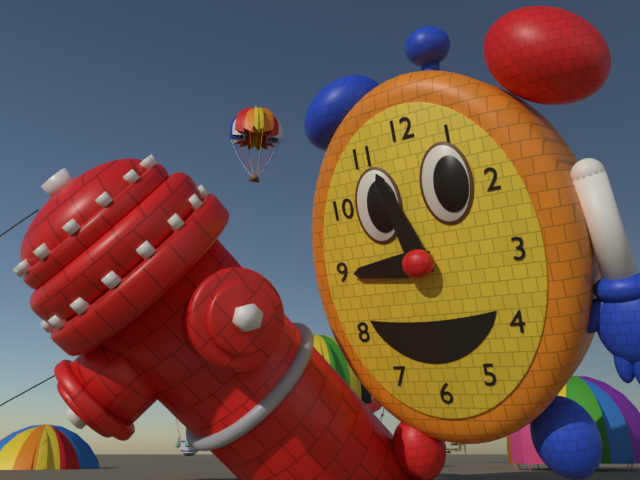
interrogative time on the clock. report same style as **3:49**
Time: **8:57**
